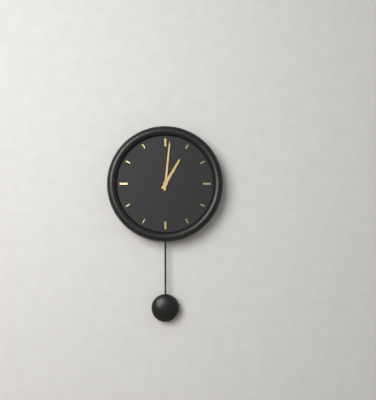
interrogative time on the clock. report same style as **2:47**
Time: **1:01**
